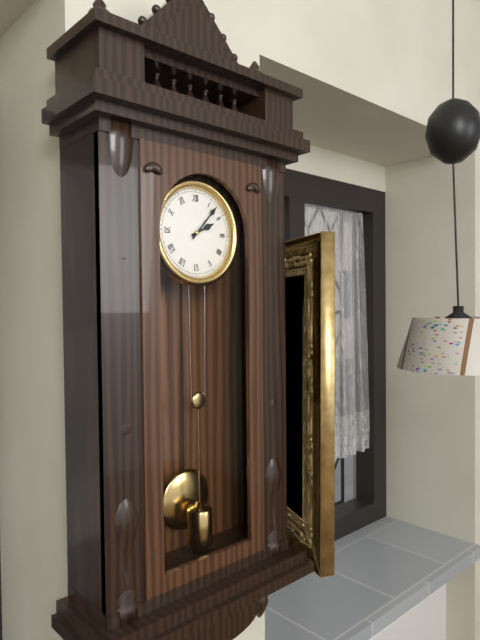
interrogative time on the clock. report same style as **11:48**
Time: **2:07**
